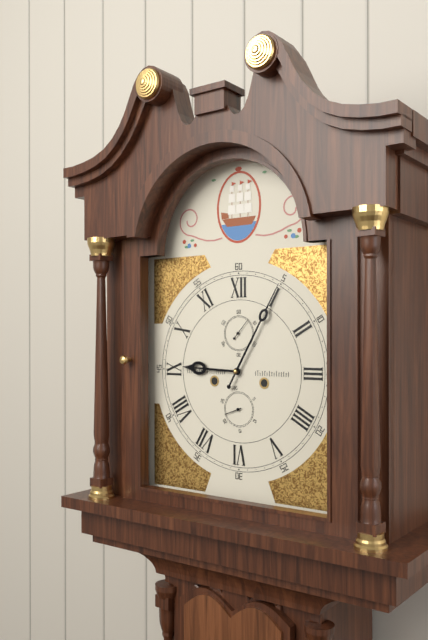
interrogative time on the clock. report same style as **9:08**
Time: **9:05**
